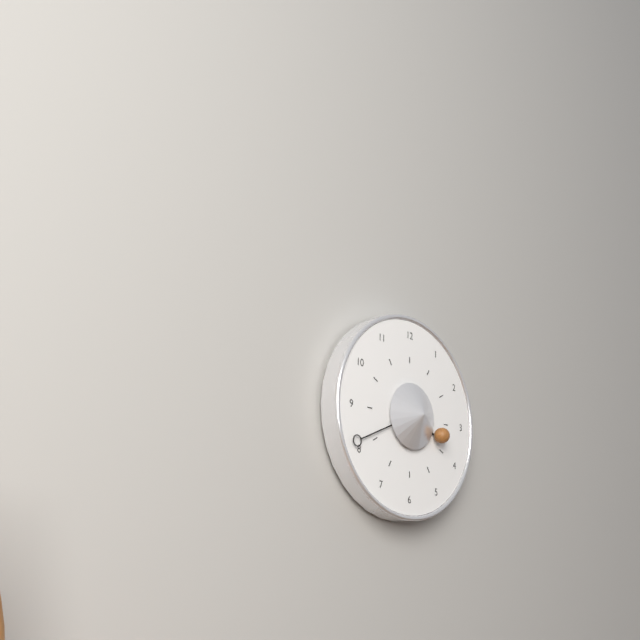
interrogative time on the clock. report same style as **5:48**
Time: **3:41**
